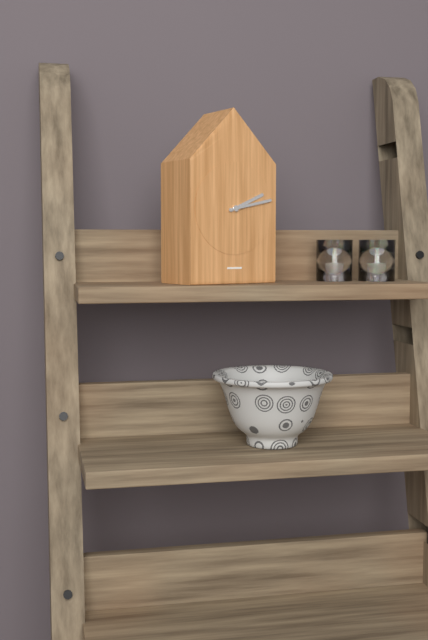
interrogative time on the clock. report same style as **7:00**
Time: **2:13**
